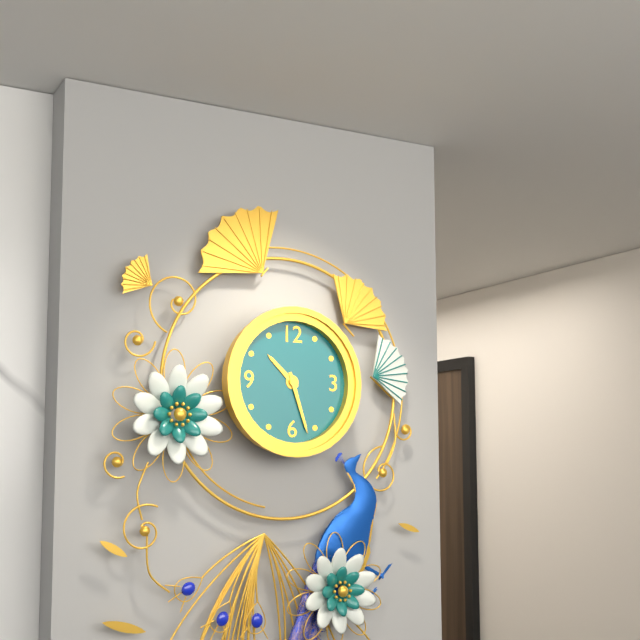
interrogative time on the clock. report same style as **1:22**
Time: **10:27**
